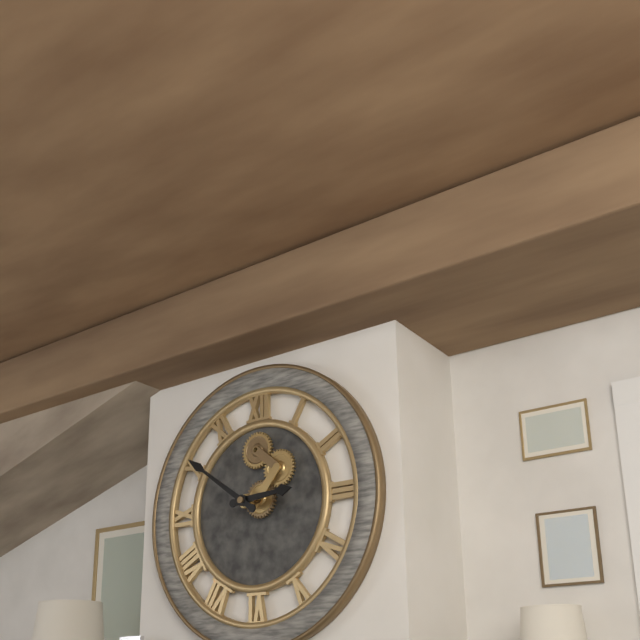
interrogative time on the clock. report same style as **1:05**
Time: **2:51**
